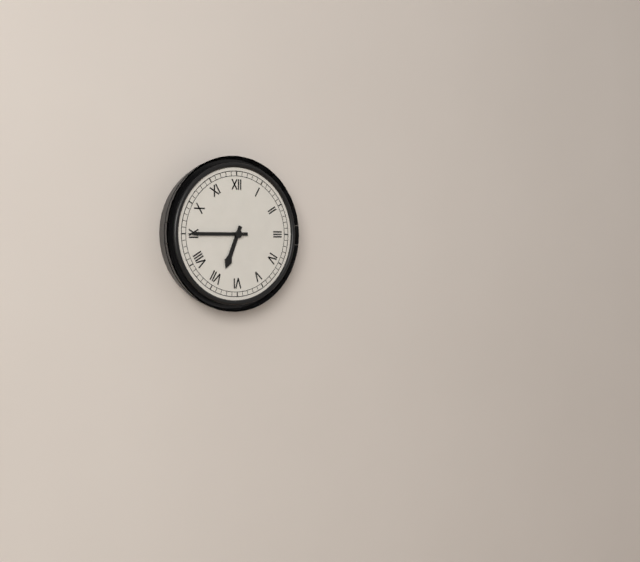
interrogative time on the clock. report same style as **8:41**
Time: **6:45**
